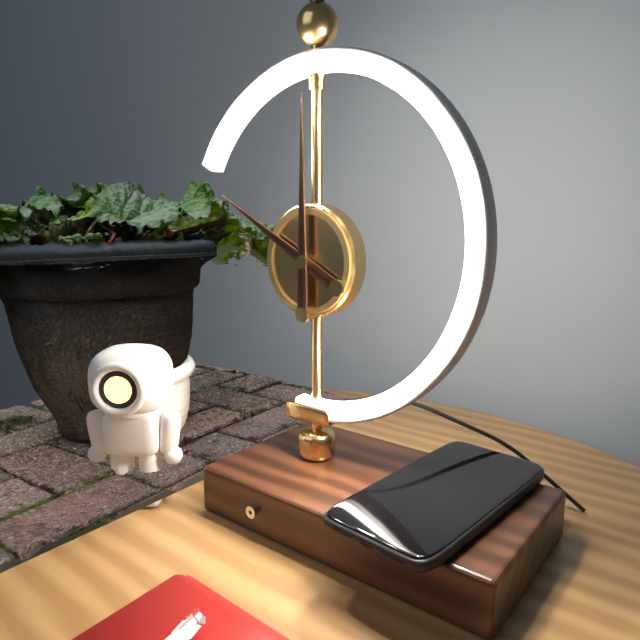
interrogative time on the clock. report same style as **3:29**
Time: **10:00**
